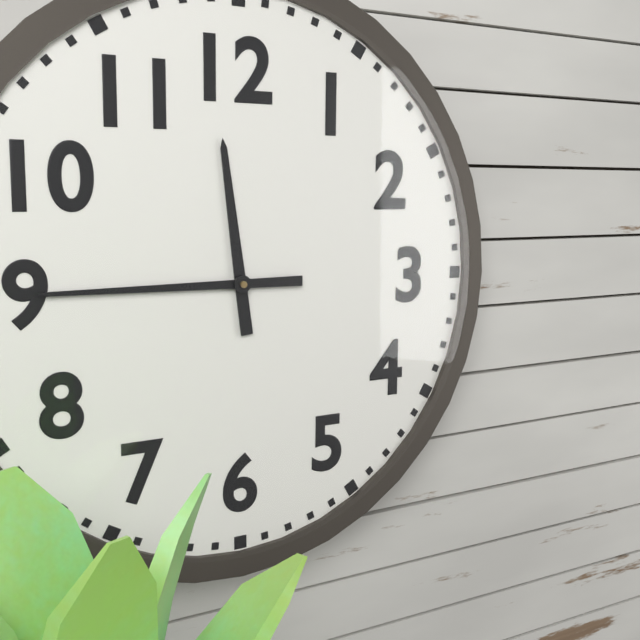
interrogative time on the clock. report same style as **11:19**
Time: **11:45**
